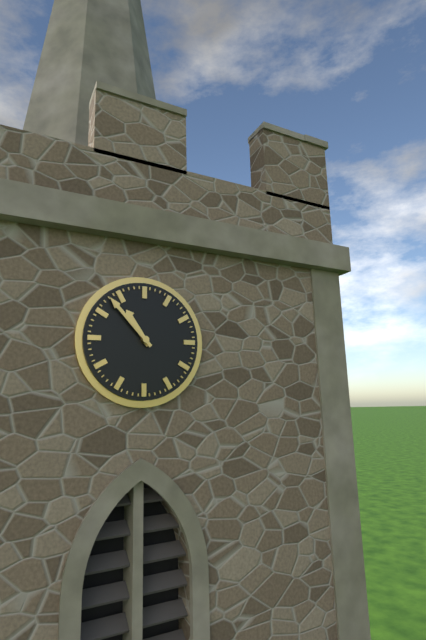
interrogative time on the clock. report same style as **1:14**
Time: **10:53**
